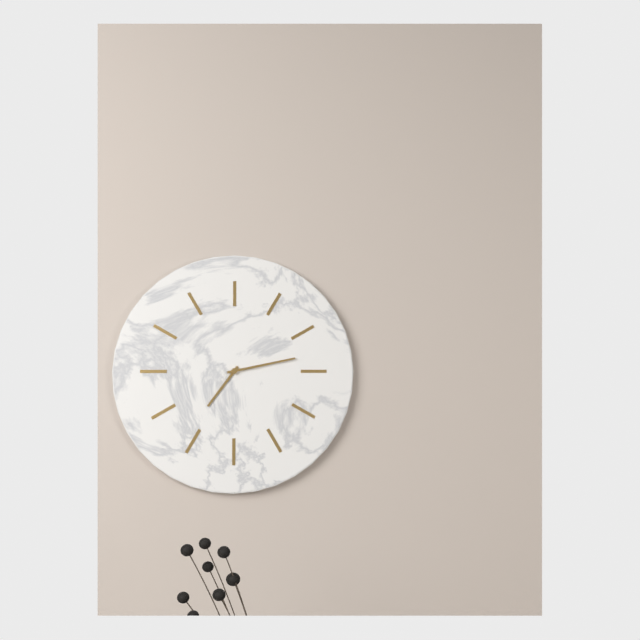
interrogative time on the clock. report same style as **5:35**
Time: **7:13**
